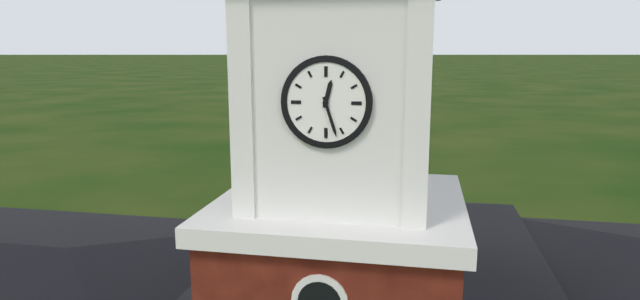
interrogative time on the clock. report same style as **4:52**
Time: **12:27**
